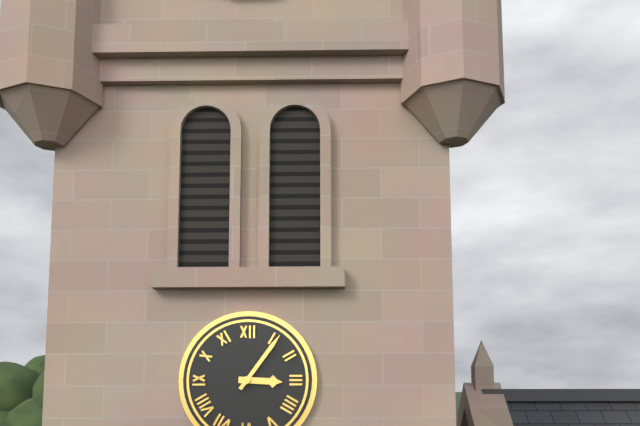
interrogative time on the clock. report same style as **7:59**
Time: **3:06**
